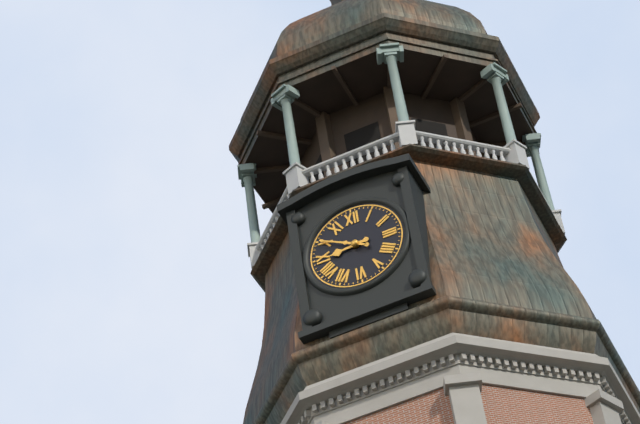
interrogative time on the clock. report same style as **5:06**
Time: **8:50**
